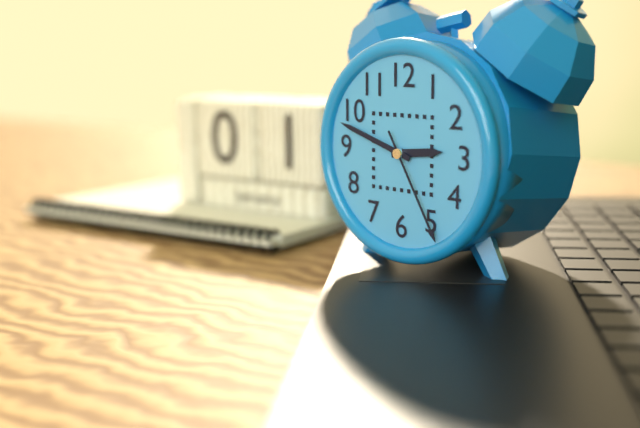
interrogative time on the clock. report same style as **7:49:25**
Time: **2:48:25**
